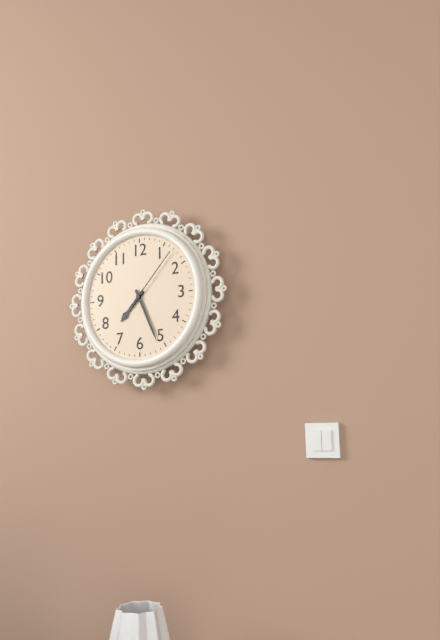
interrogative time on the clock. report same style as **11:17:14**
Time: **7:26:07**
